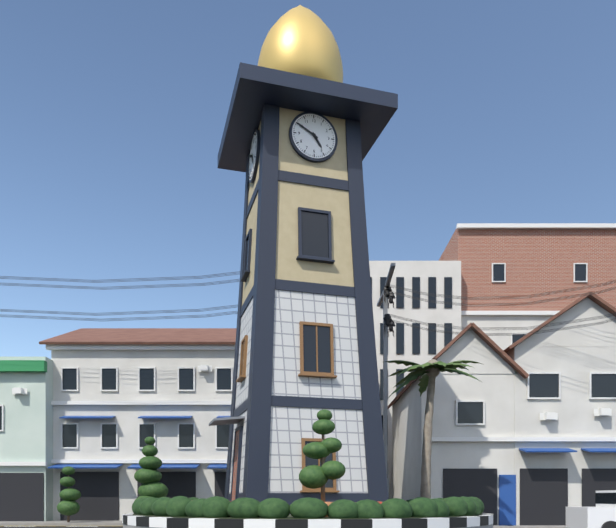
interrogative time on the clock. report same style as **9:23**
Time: **4:50**
